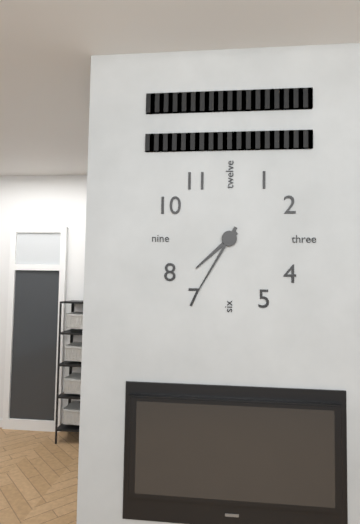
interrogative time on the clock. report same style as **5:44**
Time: **7:35**
